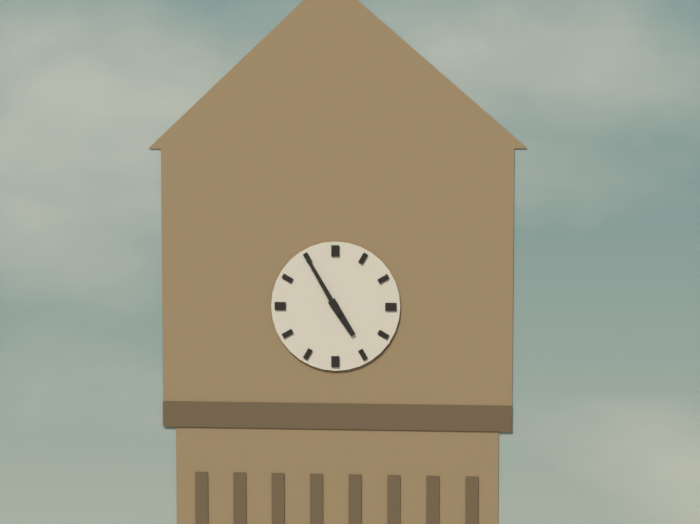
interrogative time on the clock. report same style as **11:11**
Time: **4:55**
